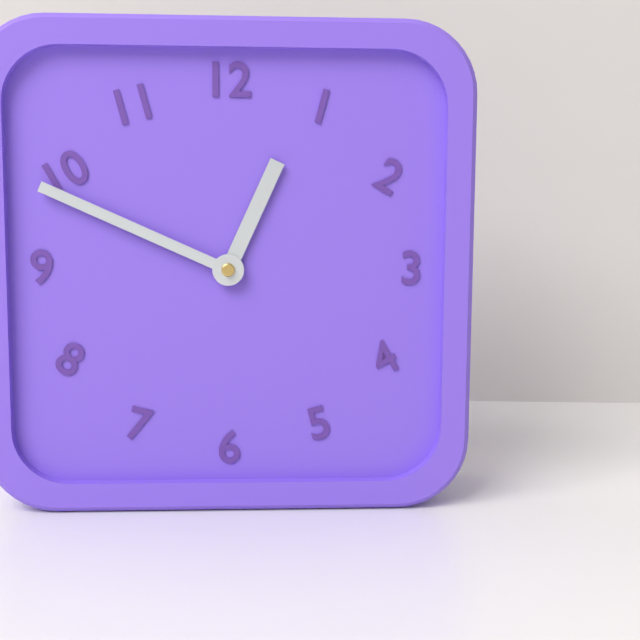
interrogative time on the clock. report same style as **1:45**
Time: **12:49**
